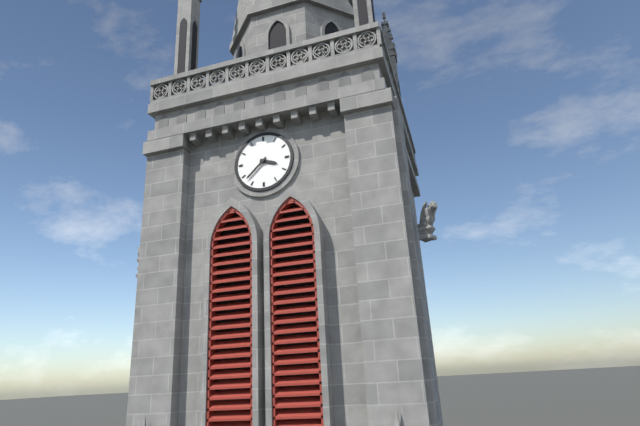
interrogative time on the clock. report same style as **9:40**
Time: **3:38**
